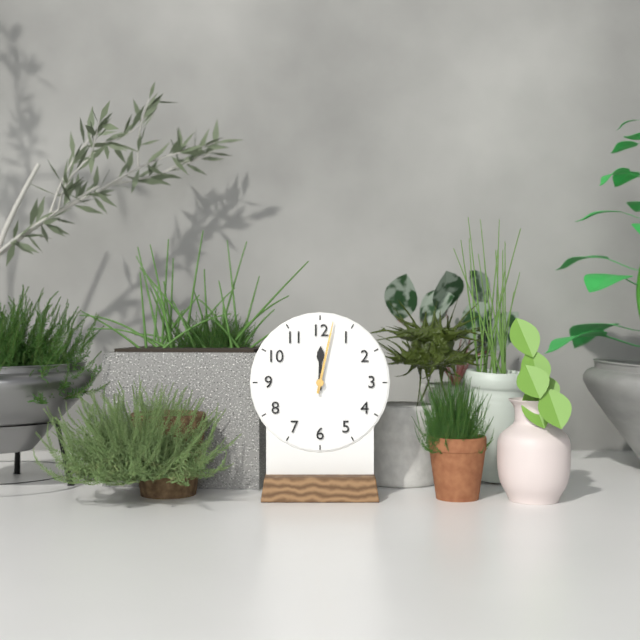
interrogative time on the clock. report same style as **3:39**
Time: **12:02**
